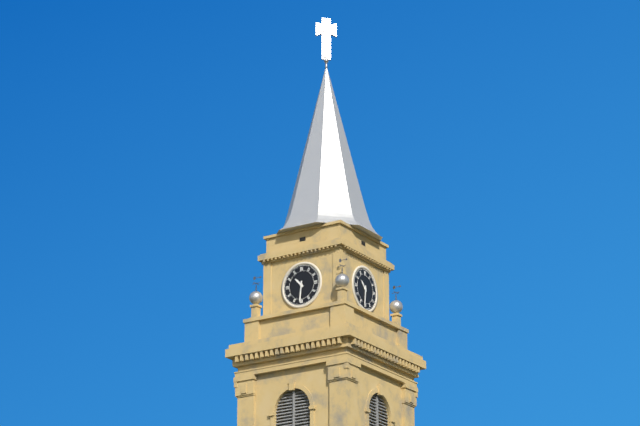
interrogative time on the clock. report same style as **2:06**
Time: **10:31**
